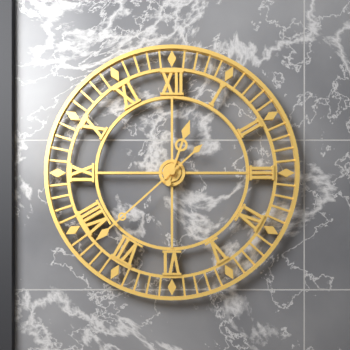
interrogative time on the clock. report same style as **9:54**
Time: **12:38**
